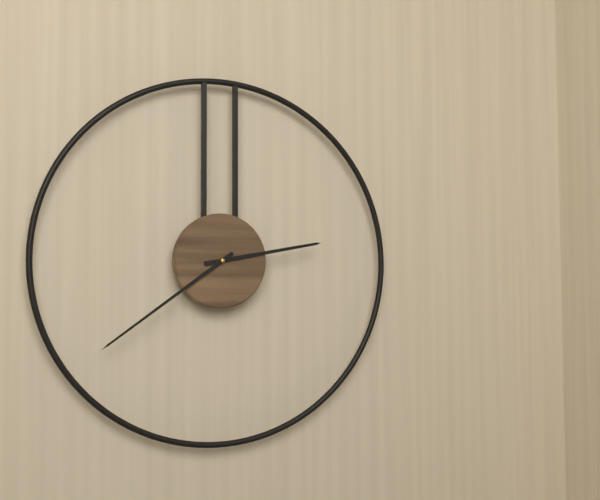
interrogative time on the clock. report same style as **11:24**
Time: **2:39**
